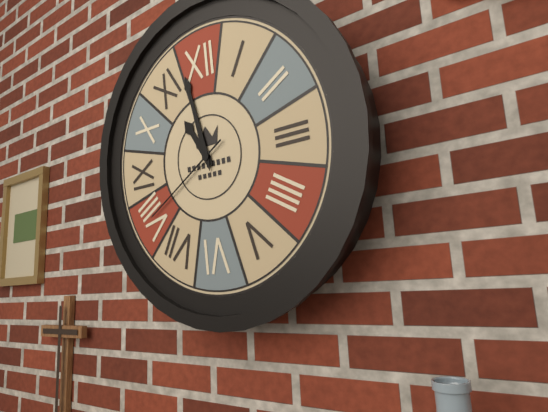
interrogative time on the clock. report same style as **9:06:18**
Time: **10:58:40**
